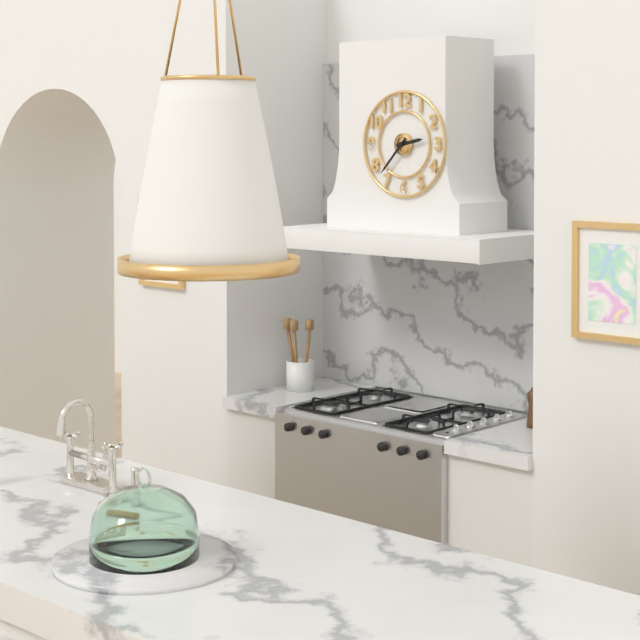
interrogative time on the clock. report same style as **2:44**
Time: **2:37**
